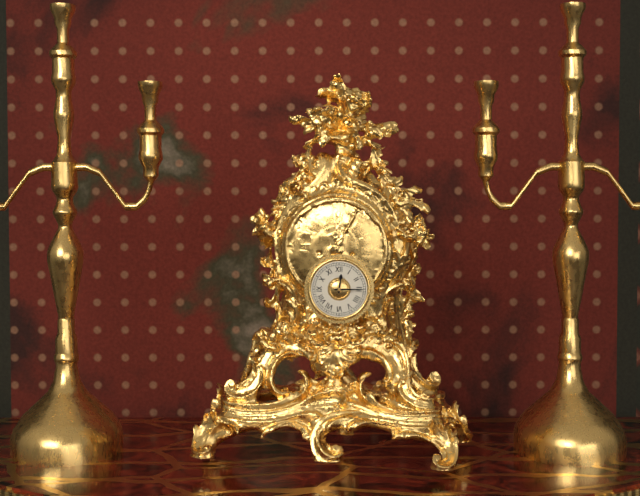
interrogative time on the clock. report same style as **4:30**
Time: **12:15**
